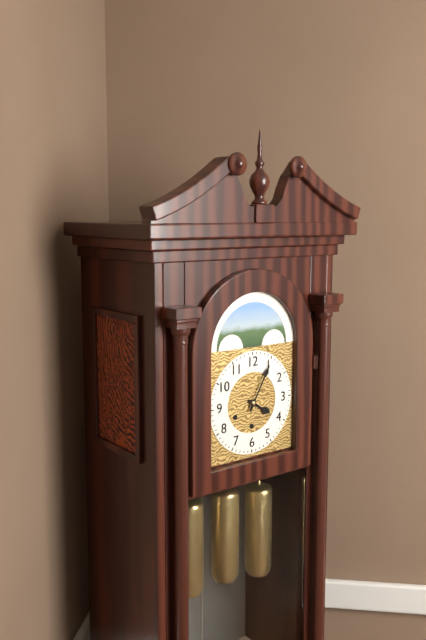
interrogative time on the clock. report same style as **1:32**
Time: **4:05**
